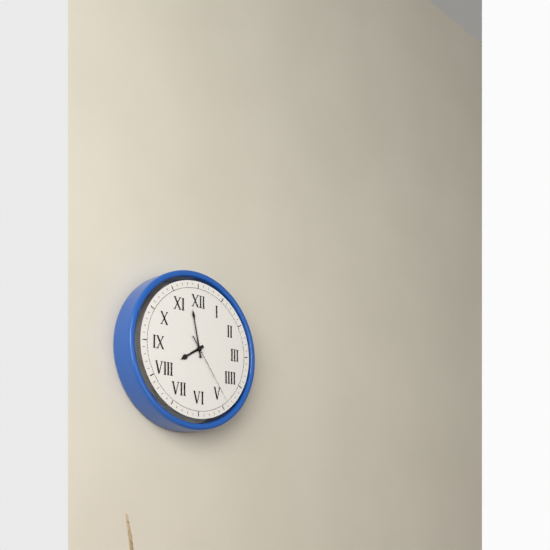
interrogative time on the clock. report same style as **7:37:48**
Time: **7:58:24**
